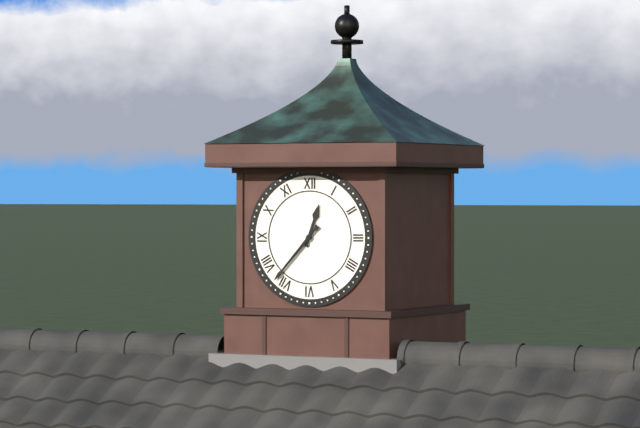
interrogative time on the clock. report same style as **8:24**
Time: **12:37**
